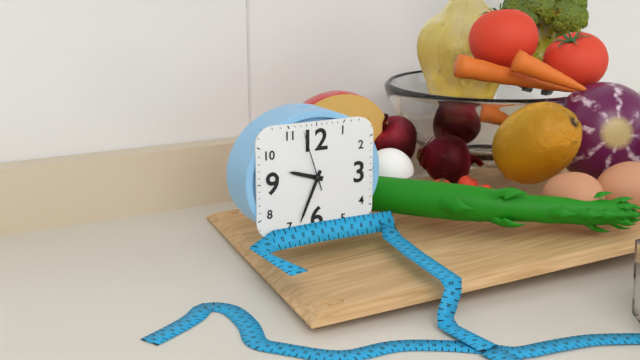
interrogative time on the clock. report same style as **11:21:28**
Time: **9:34:57**
